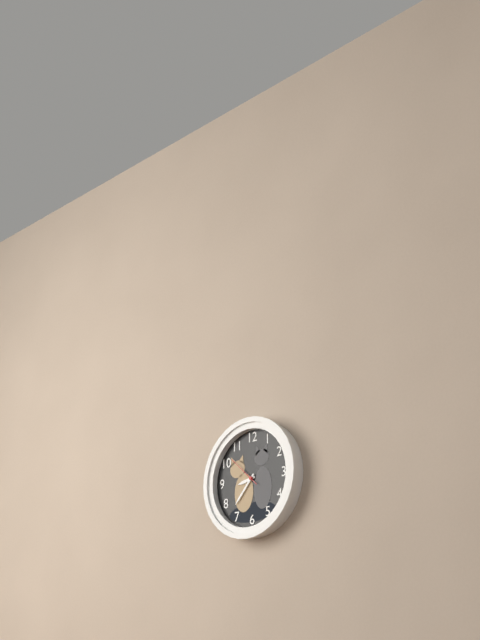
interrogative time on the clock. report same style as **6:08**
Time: **8:37**
